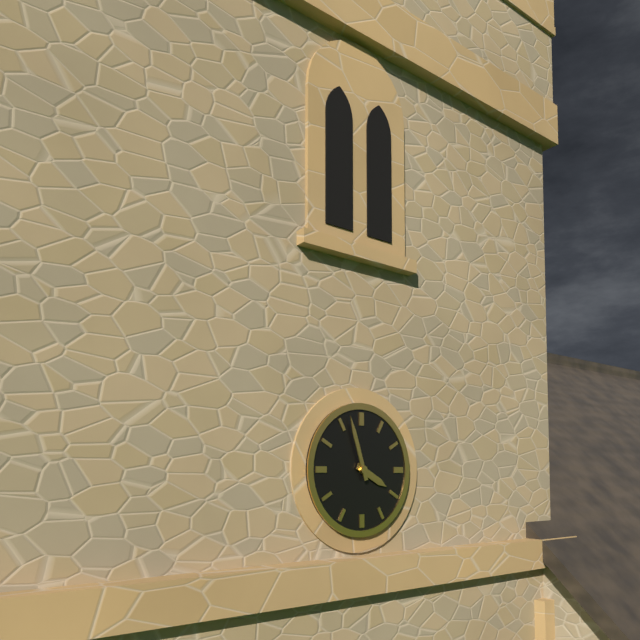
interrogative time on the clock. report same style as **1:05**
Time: **3:57**
